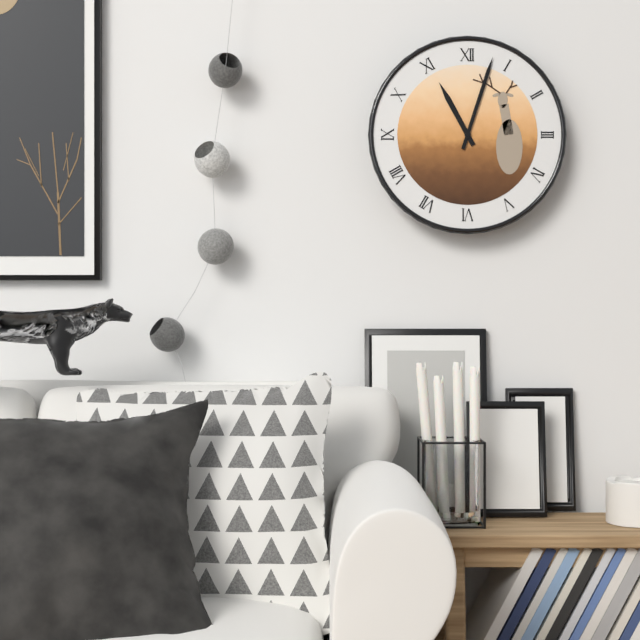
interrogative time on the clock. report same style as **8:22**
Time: **11:03**
